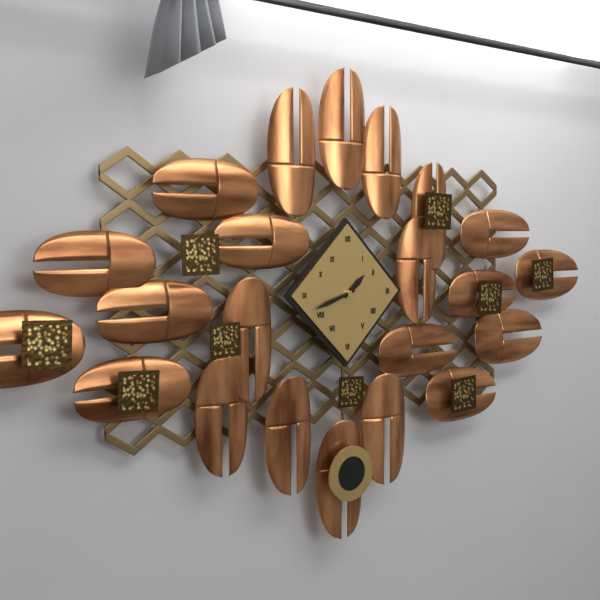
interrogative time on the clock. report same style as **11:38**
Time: **1:42**
